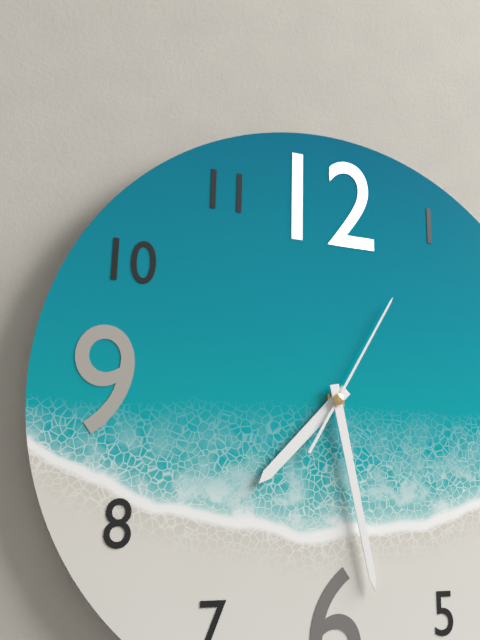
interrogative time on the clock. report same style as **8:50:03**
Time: **7:28:05**
